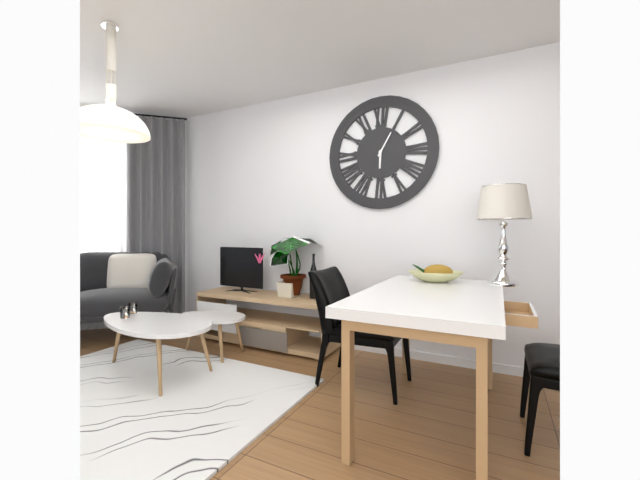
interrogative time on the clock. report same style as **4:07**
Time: **6:05**
